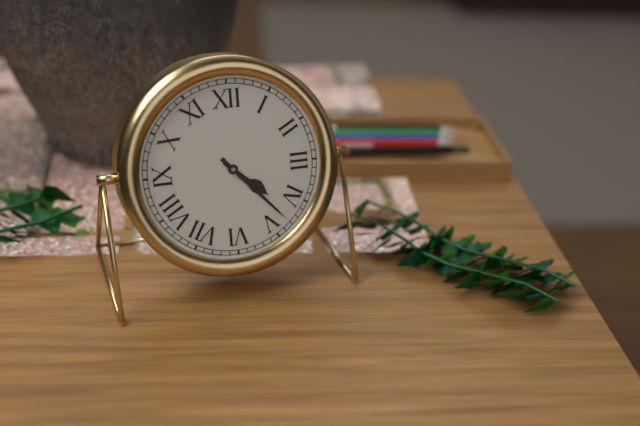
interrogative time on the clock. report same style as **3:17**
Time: **4:23**
